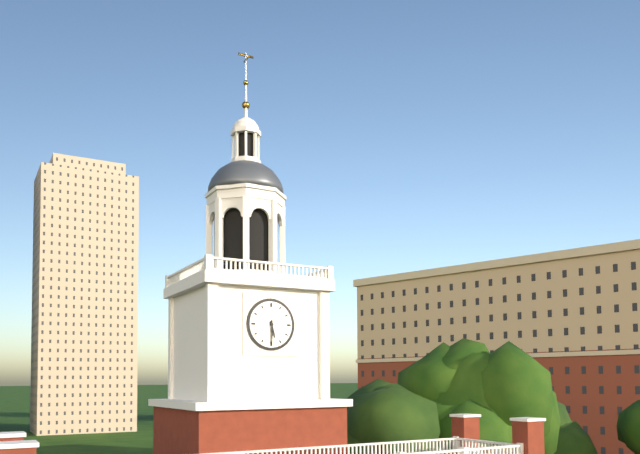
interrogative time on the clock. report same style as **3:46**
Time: **5:30**
